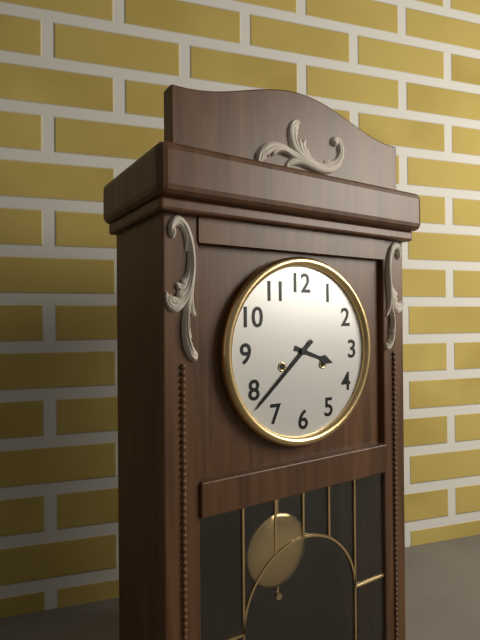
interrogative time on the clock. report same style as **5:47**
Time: **3:38**
